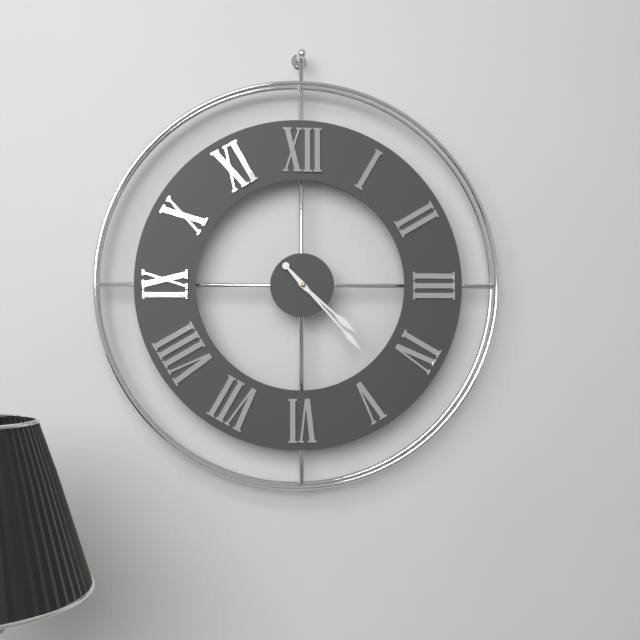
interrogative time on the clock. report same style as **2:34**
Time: **4:23**
